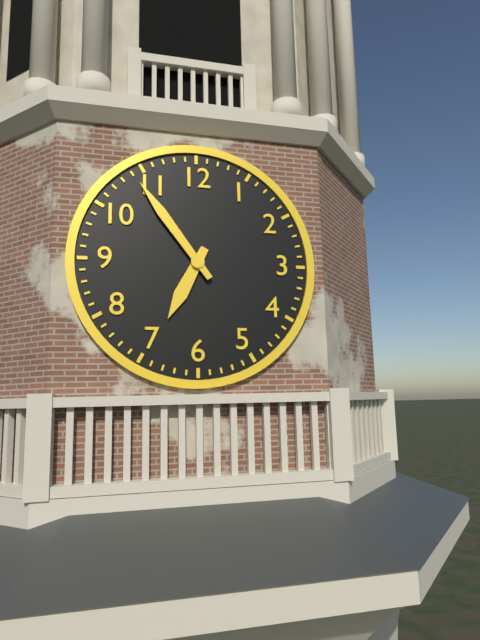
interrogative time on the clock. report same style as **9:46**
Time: **6:54**
